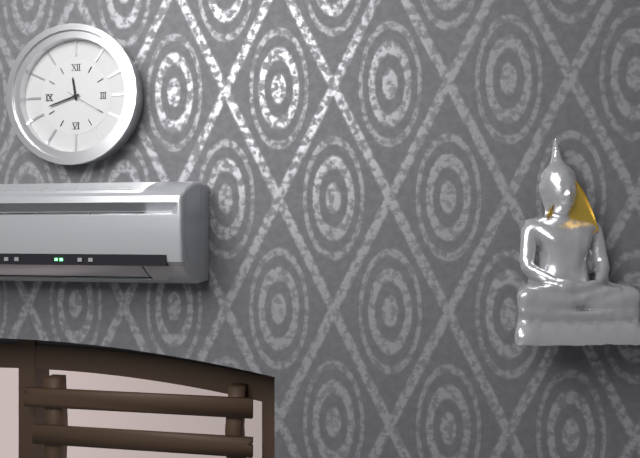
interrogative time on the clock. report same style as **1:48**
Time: **11:42**
